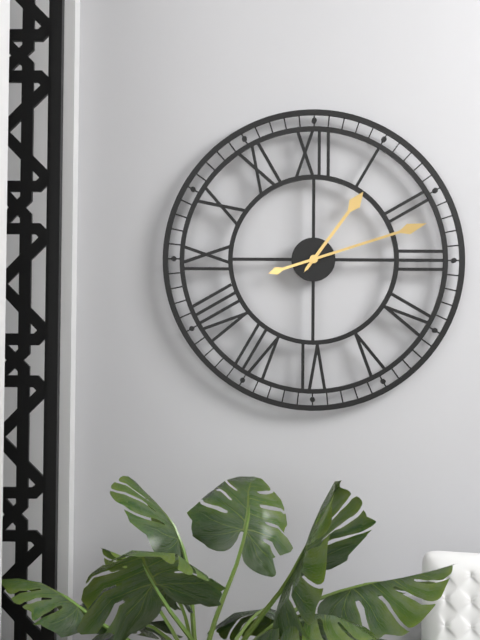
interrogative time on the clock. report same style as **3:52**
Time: **1:12**
